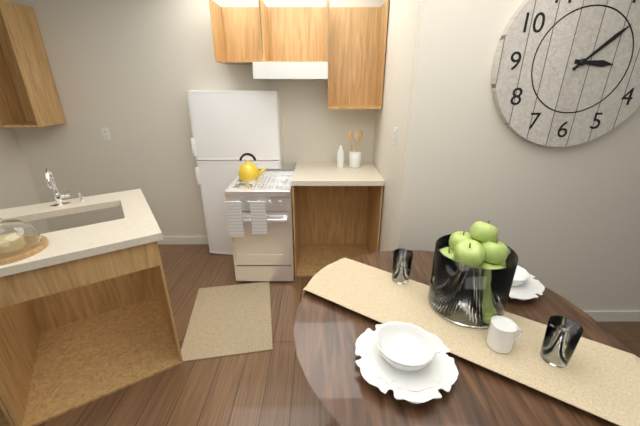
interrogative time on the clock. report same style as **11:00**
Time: **3:08**
